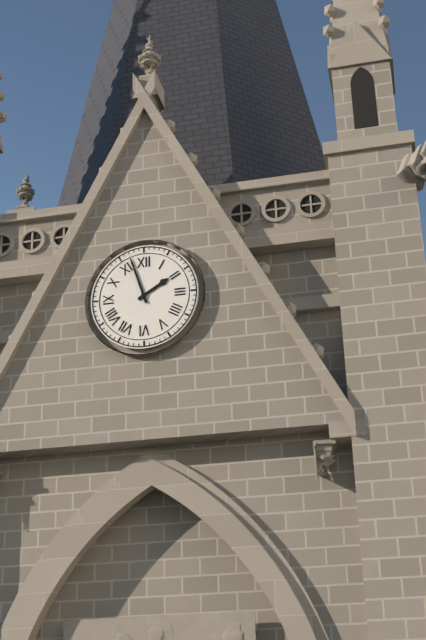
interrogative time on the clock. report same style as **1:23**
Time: **1:57**
